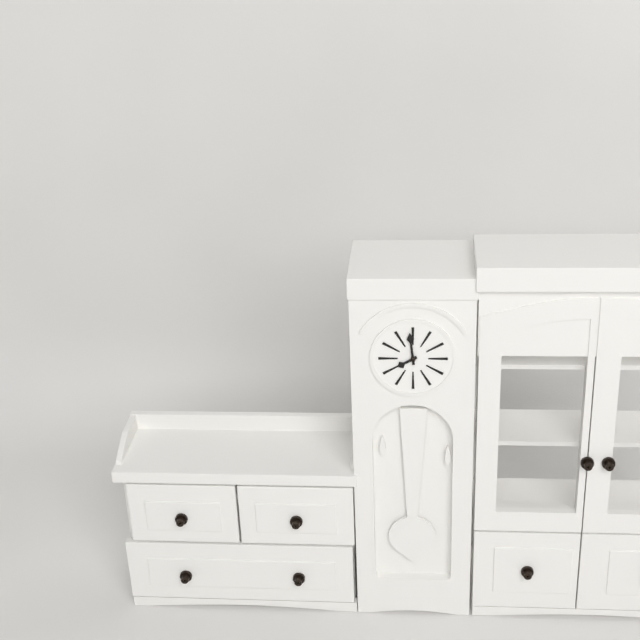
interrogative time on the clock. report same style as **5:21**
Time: **7:59**
